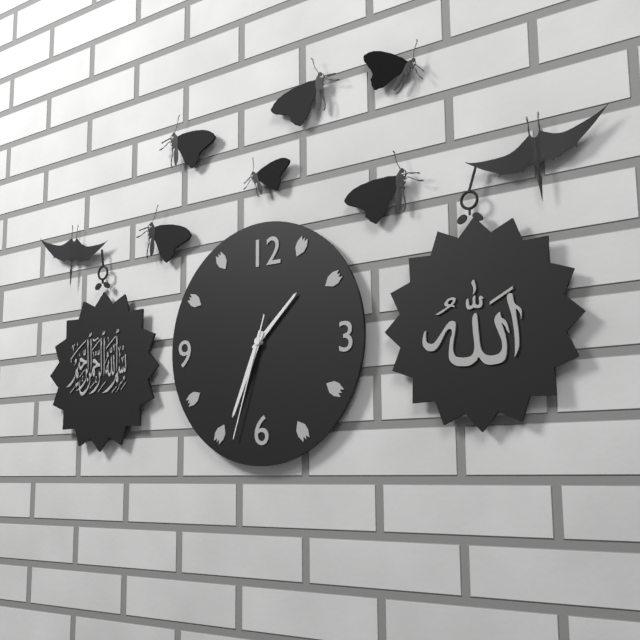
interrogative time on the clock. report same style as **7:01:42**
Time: **1:34:33**
